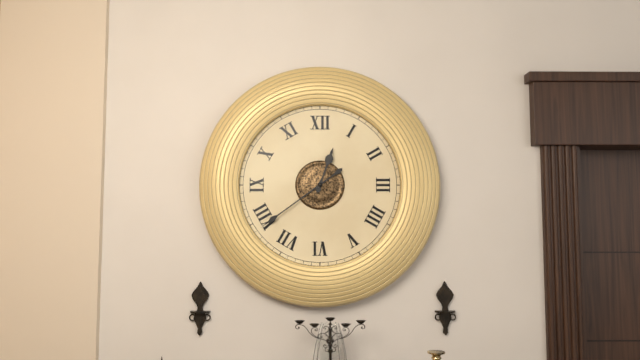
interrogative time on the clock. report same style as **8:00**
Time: **12:39**
